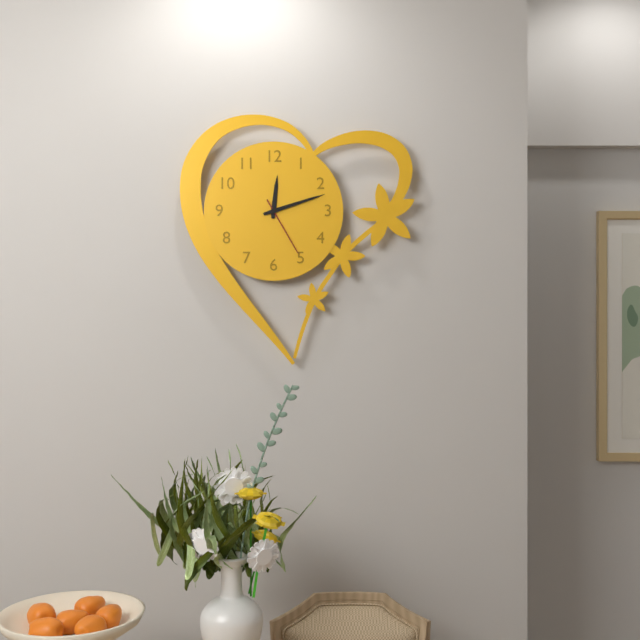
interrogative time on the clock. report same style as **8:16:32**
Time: **12:12:25**
